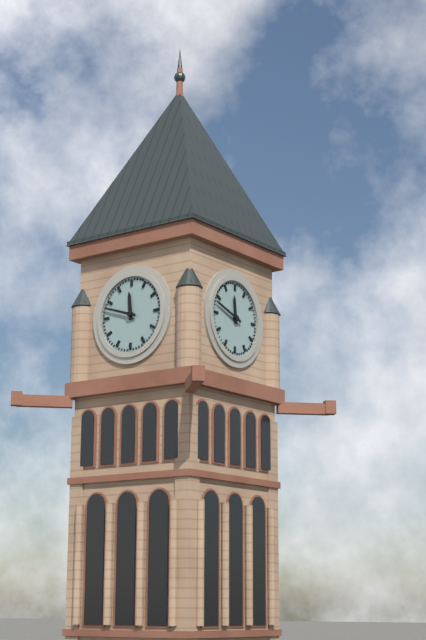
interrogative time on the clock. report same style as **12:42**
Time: **11:48**
